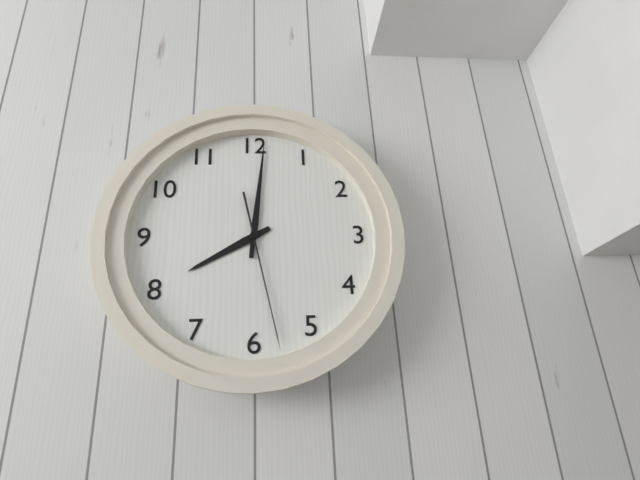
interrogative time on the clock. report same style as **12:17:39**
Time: **8:01:28**
